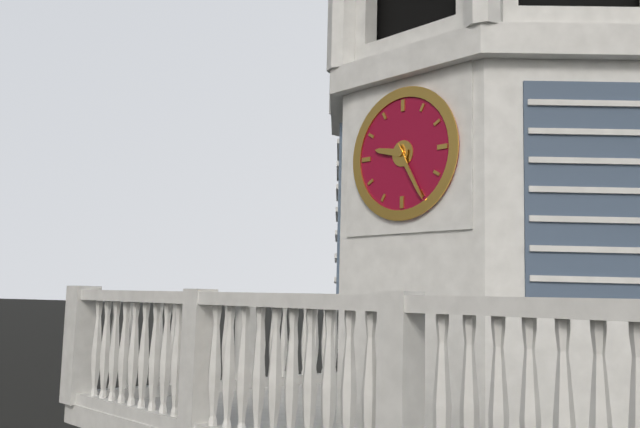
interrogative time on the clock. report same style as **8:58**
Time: **9:25**
